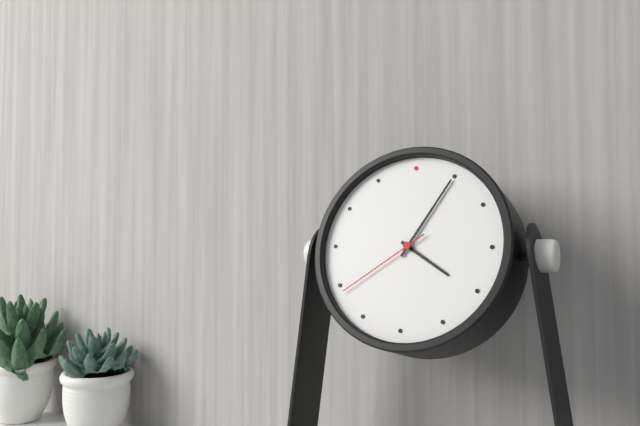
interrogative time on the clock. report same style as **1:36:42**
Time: **4:05:39**
